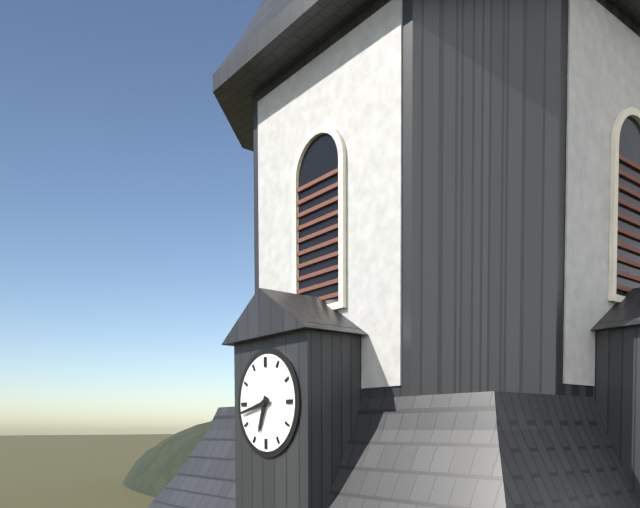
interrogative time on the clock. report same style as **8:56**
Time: **6:43**
